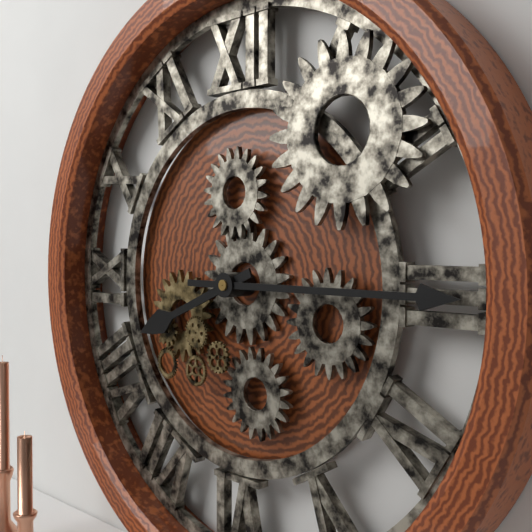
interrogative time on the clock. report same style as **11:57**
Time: **8:15**
